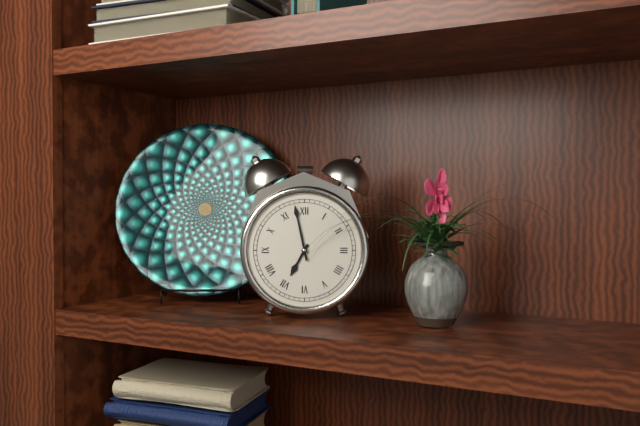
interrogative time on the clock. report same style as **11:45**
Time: **6:58**
